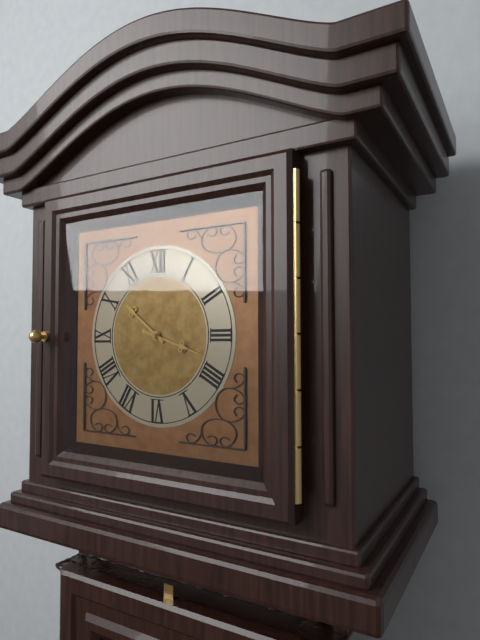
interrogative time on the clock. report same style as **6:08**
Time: **10:18**
